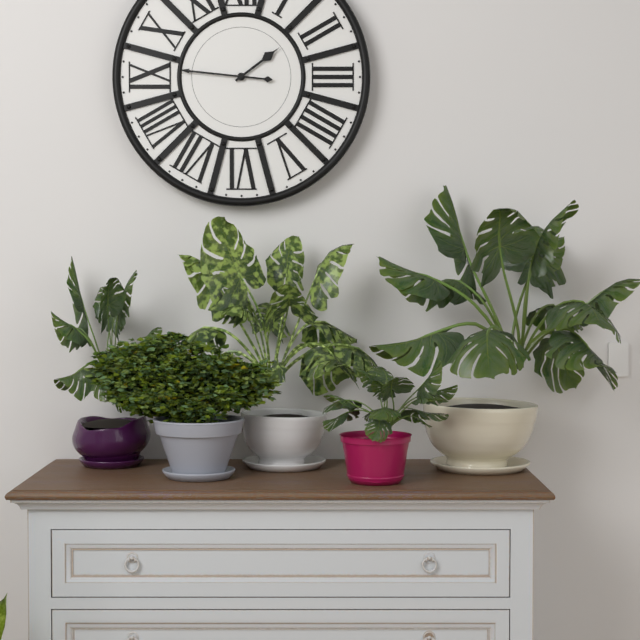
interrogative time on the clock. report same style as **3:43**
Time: **1:46**
